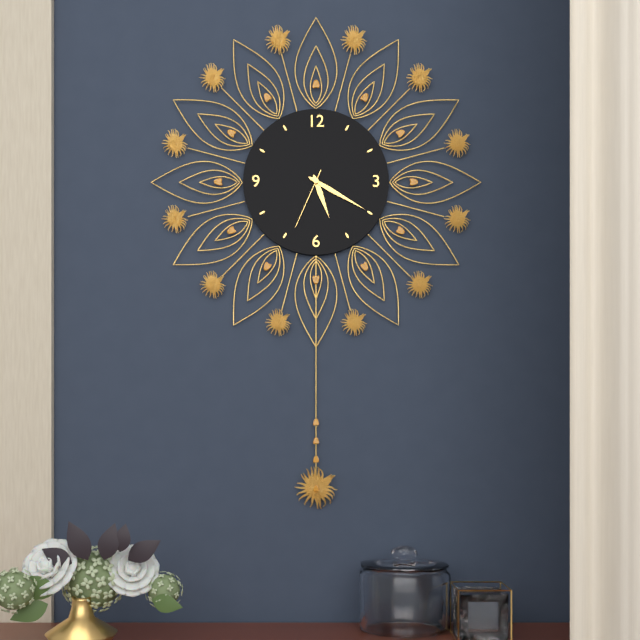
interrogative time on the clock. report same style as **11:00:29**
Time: **5:20:34**
